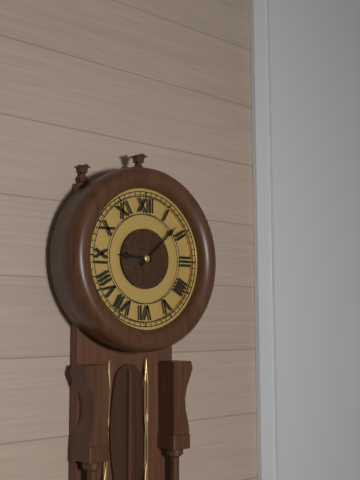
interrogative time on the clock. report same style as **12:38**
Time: **9:08**
